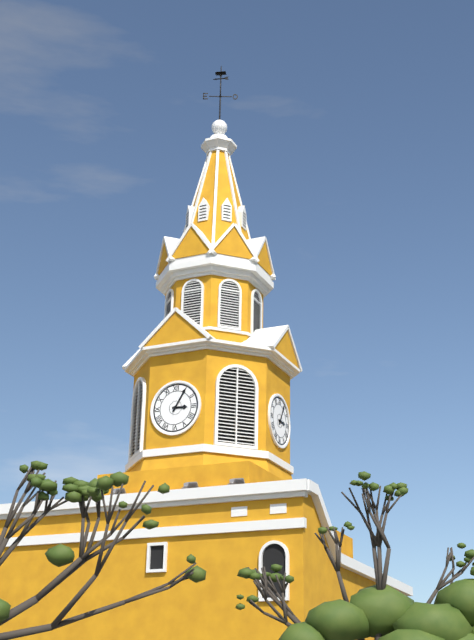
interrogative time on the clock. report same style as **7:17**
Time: **3:05**
